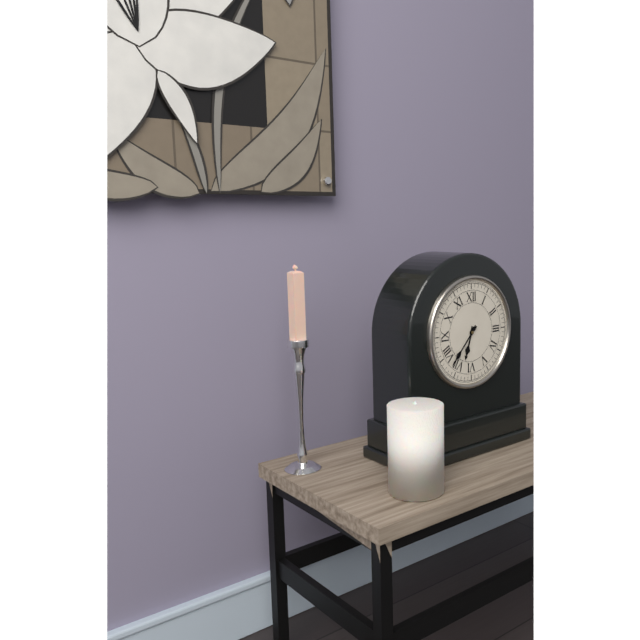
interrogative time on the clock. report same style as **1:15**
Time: **6:37**
